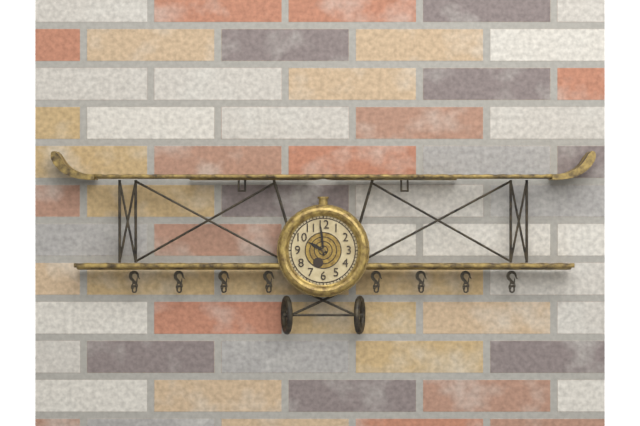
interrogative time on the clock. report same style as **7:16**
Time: **9:59**
